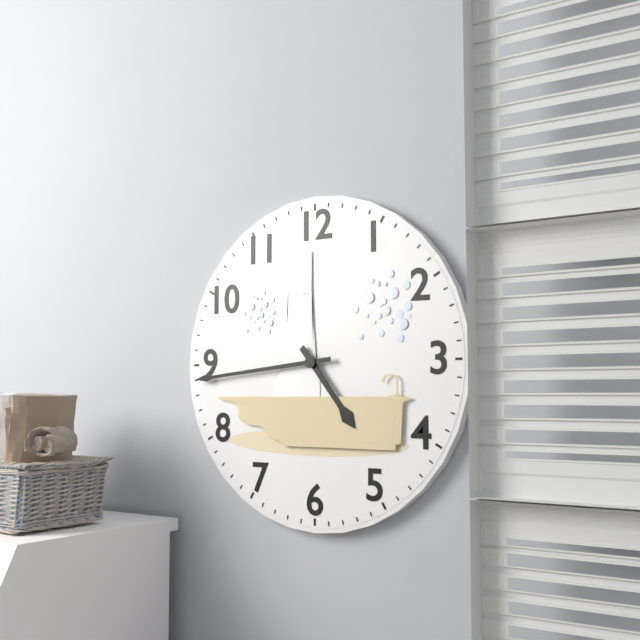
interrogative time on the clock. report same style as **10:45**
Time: **4:44**
